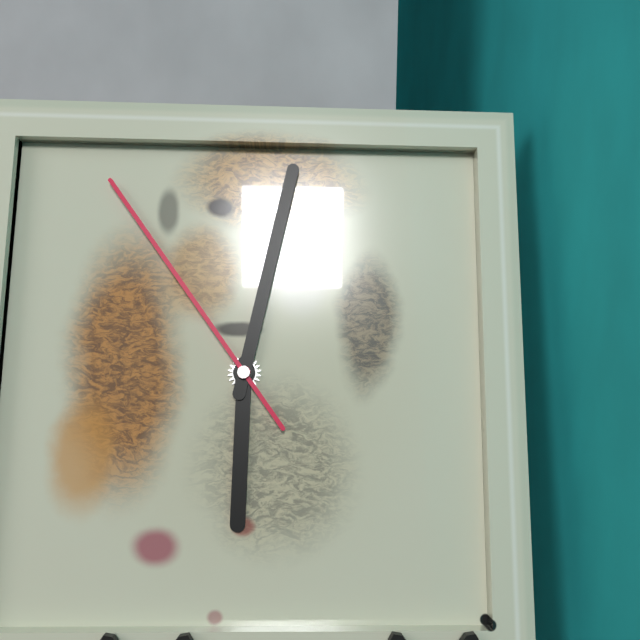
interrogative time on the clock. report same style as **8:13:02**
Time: **6:02:54**
